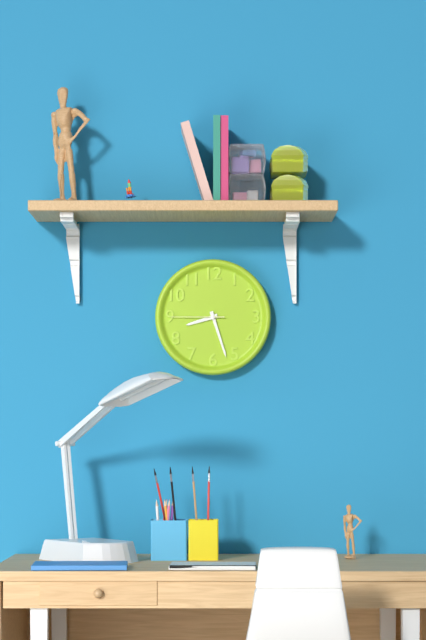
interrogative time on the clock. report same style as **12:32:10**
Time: **8:27:45**
